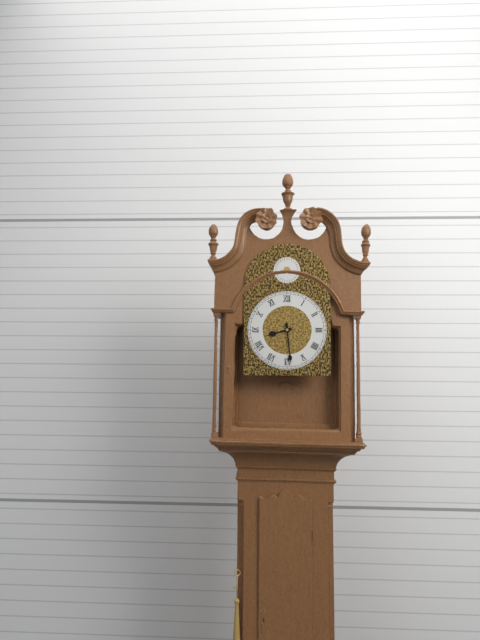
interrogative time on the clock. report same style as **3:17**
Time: **8:29**
